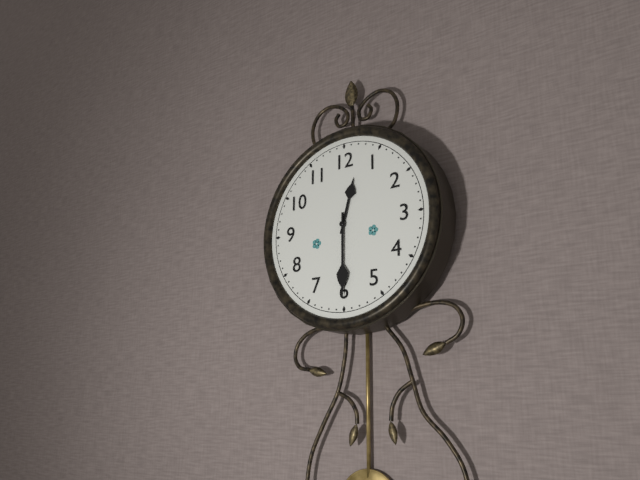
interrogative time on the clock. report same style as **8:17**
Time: **12:30**
